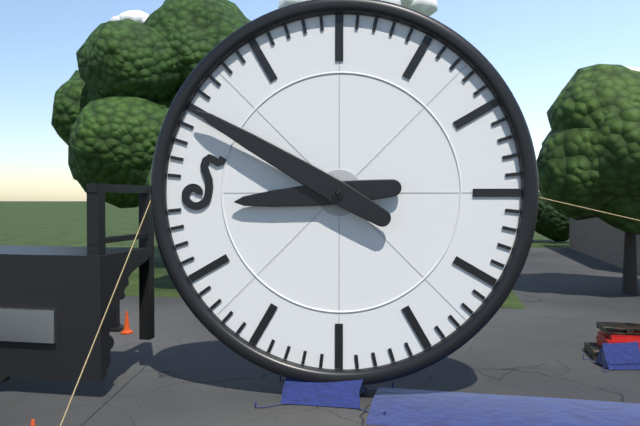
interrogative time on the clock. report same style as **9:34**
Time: **8:50**
